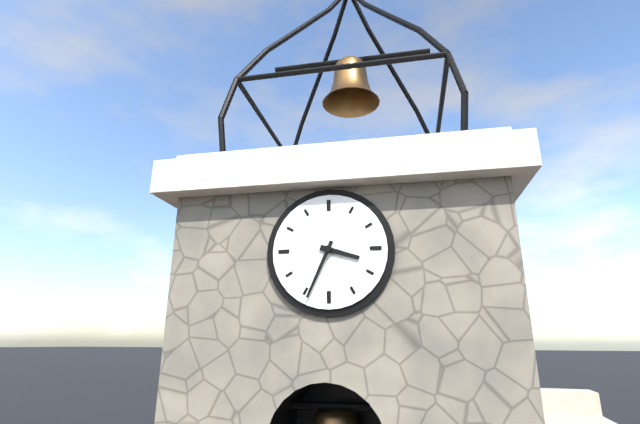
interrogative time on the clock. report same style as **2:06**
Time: **3:34**
